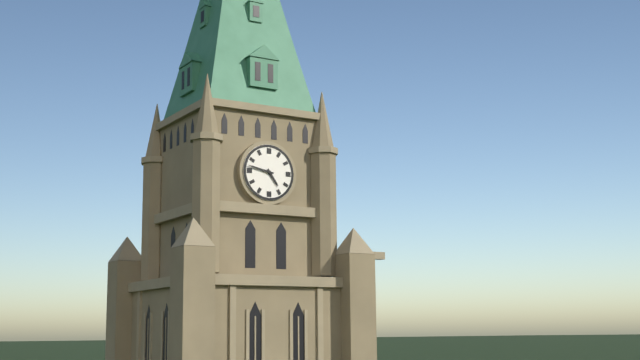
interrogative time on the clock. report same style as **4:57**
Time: **4:47**
